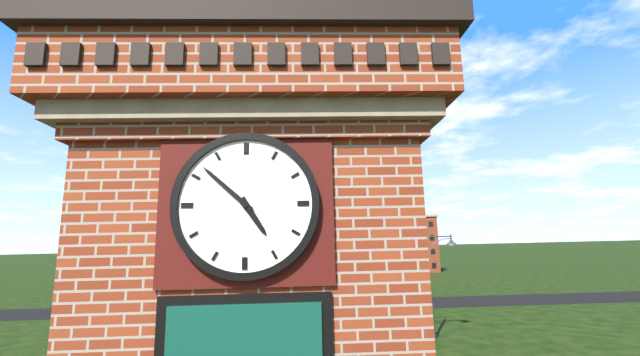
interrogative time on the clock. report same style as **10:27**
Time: **4:52**
